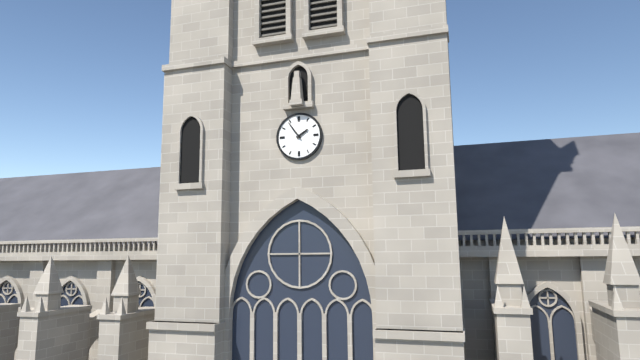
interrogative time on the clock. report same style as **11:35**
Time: **1:54**
